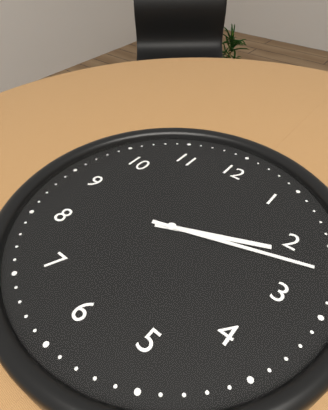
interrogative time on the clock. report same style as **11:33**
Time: **2:12**
